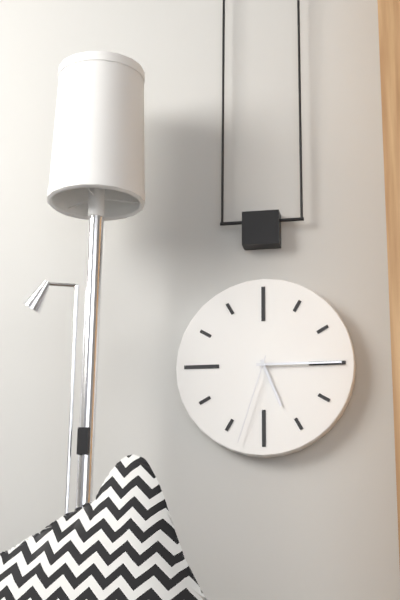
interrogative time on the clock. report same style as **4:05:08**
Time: **5:15:33**
